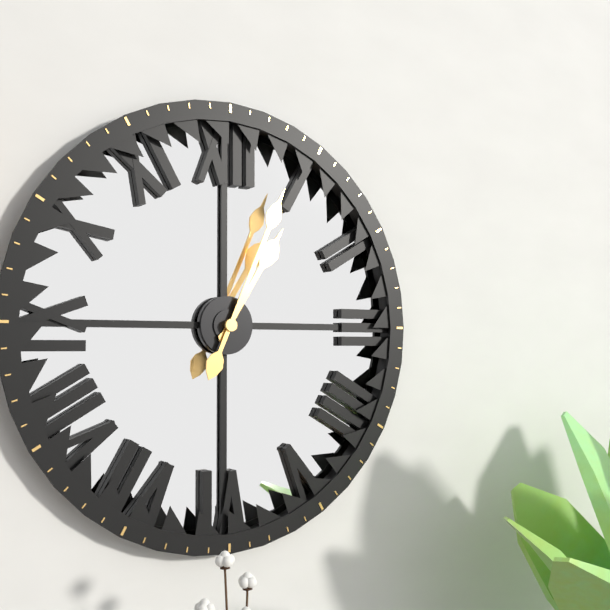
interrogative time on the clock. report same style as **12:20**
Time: **1:04**
